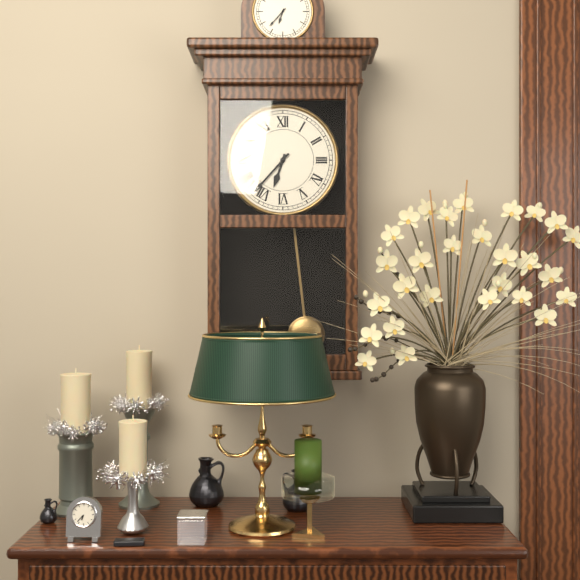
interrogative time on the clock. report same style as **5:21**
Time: **6:37**
